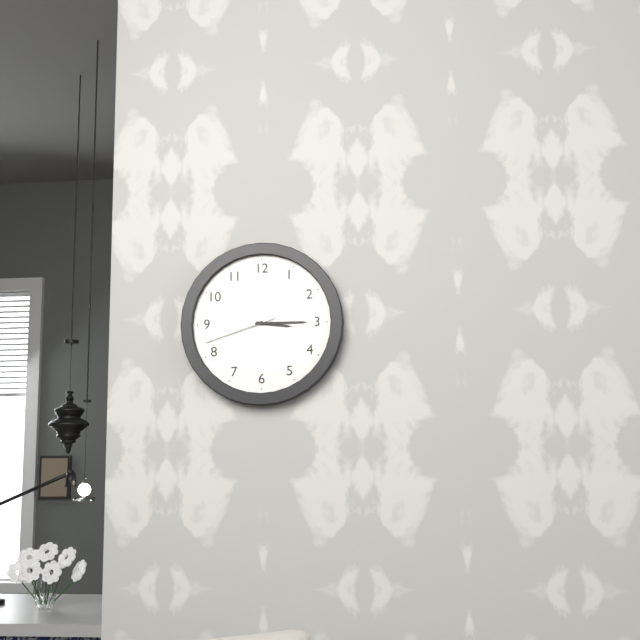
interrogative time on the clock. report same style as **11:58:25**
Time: **3:15:42**
